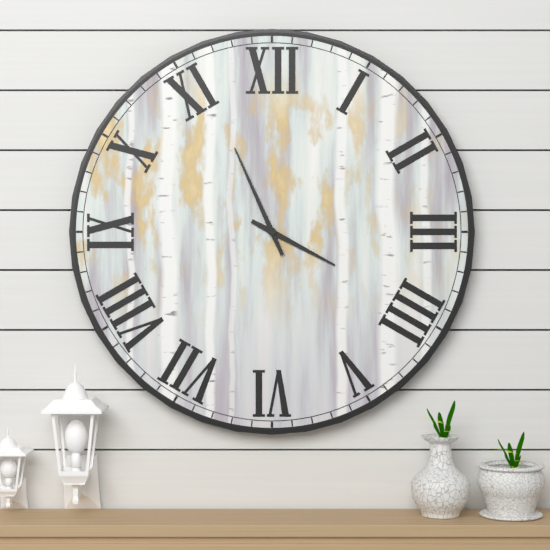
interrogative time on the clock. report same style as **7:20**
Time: **3:56**
